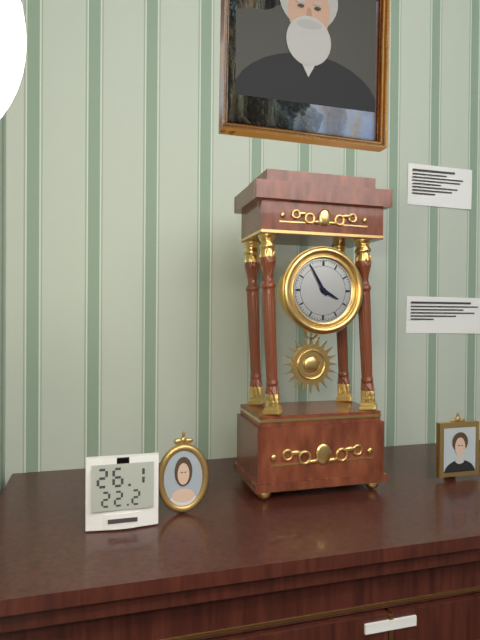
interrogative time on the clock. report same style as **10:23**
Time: **3:55**
